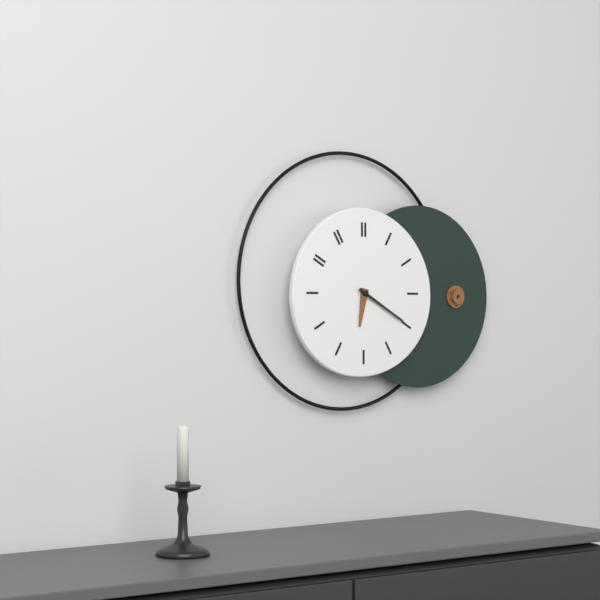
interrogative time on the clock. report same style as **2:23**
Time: **6:20**
